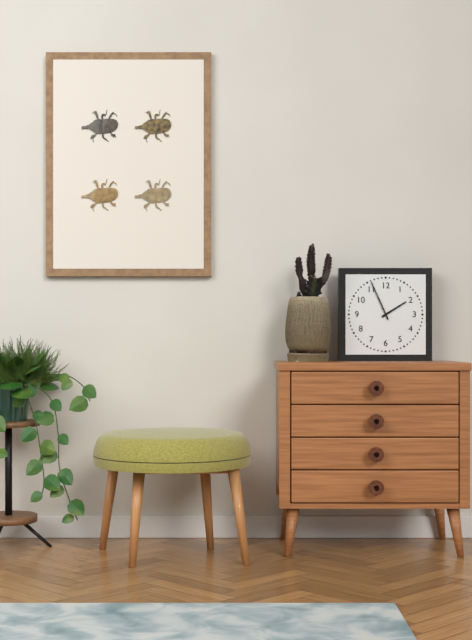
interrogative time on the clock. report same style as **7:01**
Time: **1:56**
